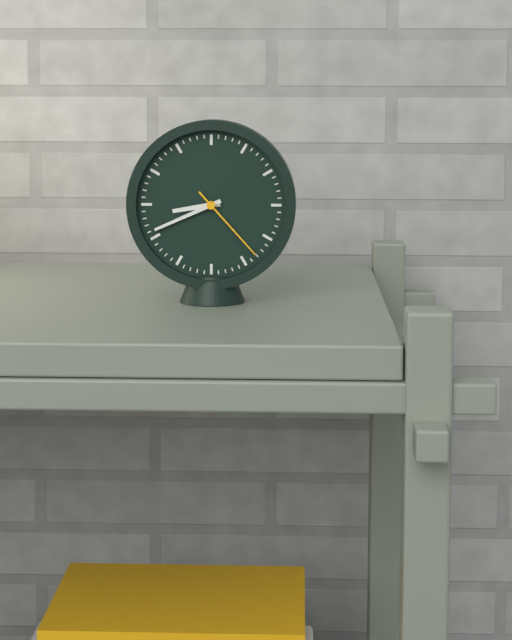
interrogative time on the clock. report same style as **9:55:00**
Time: **8:41:23**
